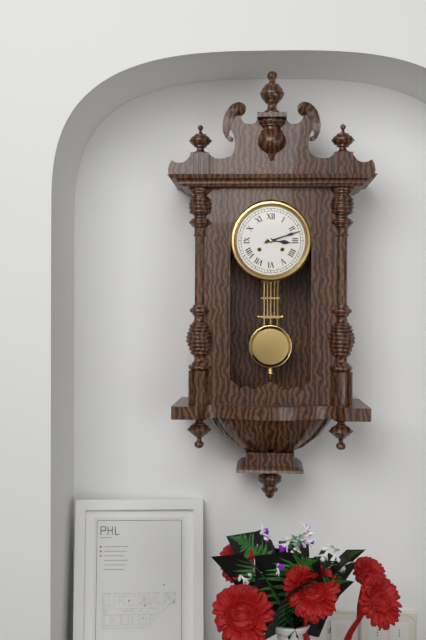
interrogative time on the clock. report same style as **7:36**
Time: **3:12**
